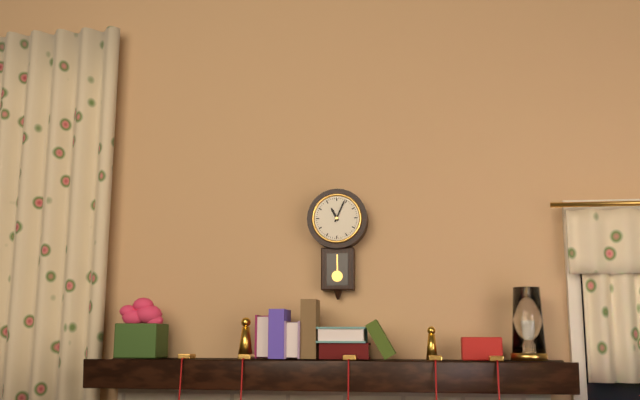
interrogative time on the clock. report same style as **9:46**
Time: **11:04**
